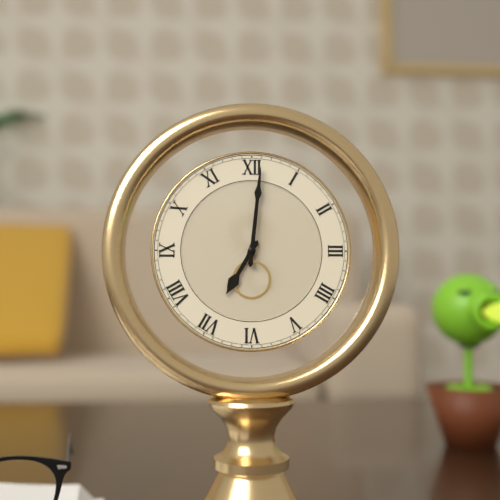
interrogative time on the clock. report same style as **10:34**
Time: **7:01**
